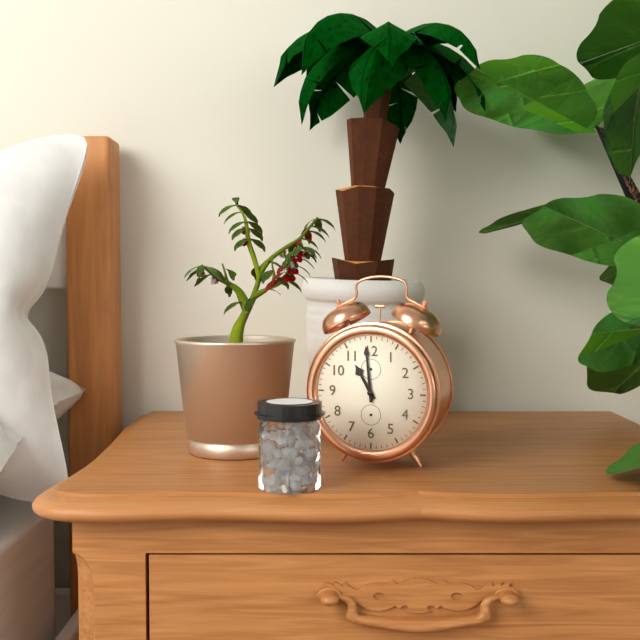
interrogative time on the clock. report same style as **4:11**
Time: **10:59**
